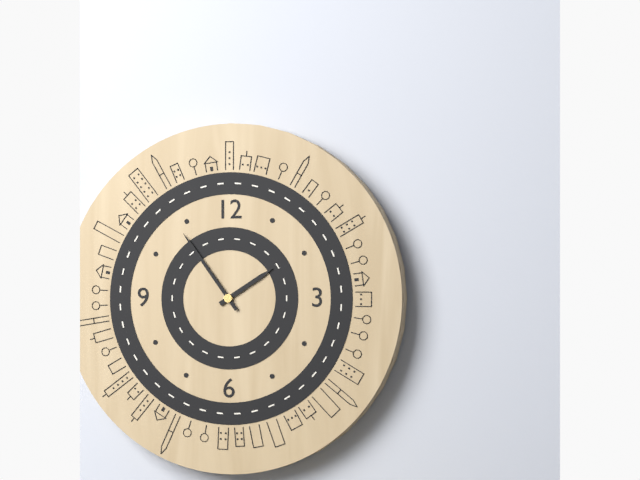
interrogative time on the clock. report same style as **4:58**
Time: **1:54**
